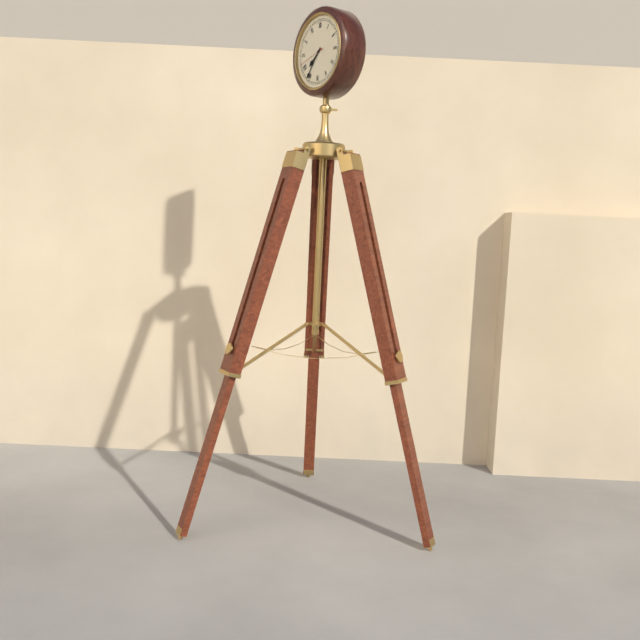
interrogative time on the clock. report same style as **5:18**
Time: **7:36**
